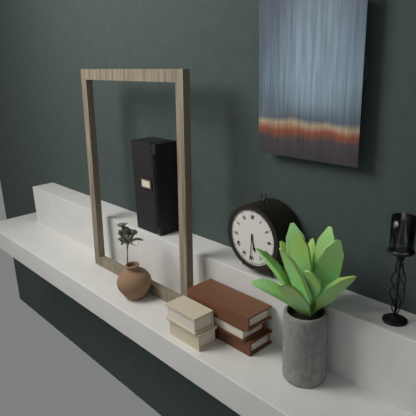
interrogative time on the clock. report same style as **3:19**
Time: **5:31**
